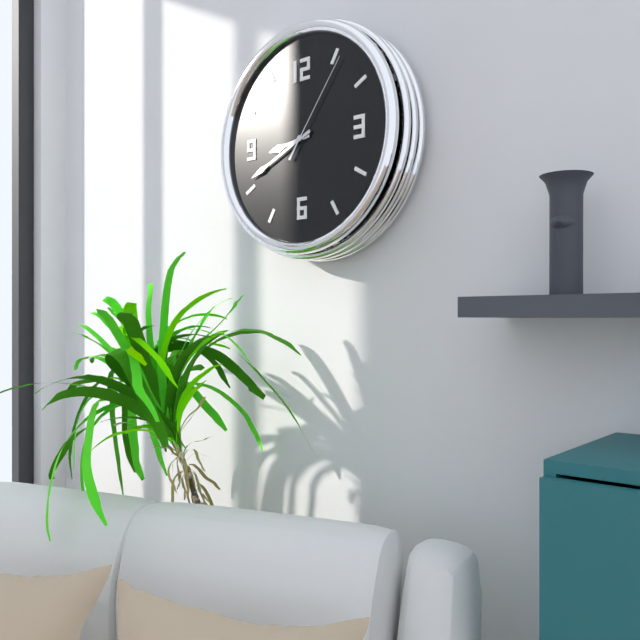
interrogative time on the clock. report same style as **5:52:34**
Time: **8:41:06**
